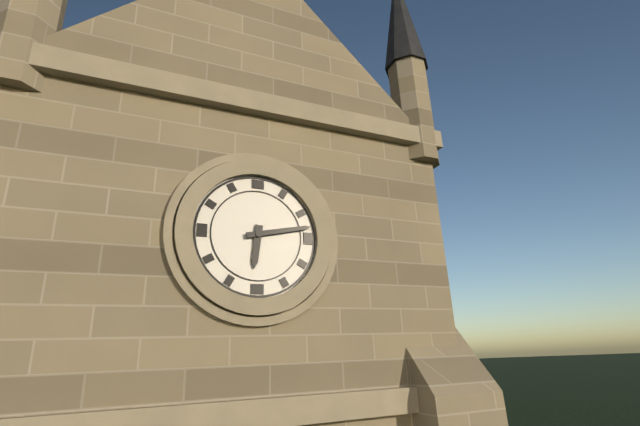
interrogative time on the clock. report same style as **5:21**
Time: **6:13**
